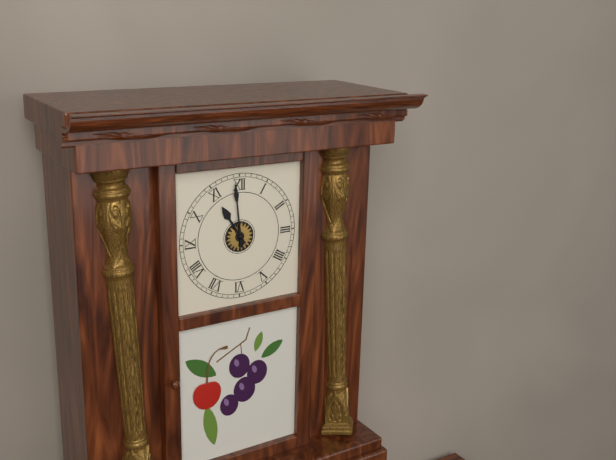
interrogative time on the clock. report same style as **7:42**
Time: **10:59**
